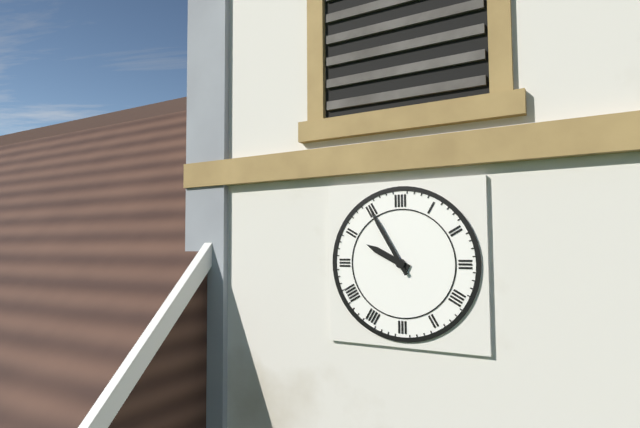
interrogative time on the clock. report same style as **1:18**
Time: **9:55**
